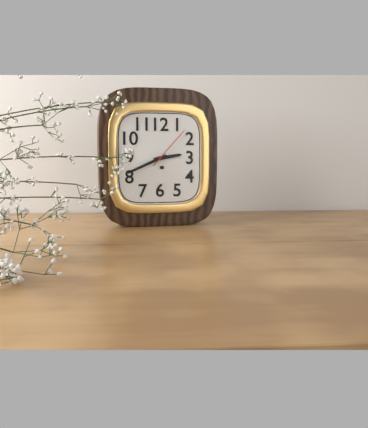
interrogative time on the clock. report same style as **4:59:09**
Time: **2:41:07**
